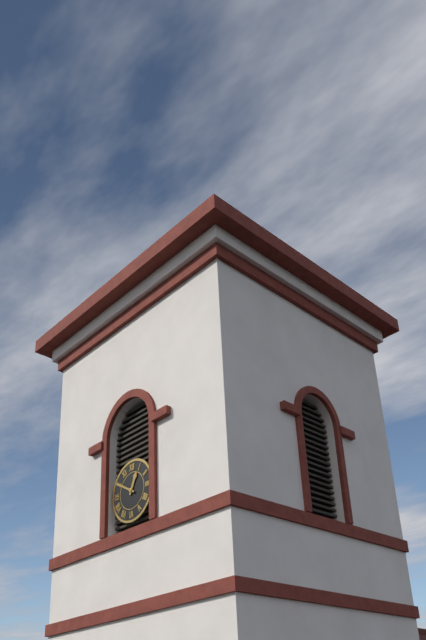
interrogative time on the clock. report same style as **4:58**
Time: **12:50**
